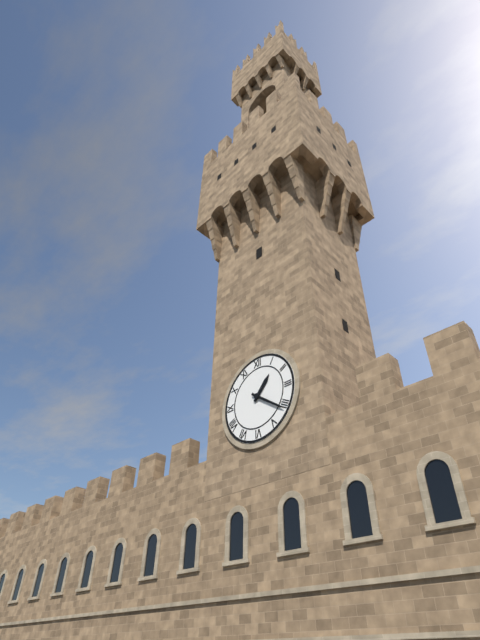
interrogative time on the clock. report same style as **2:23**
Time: **1:21**
